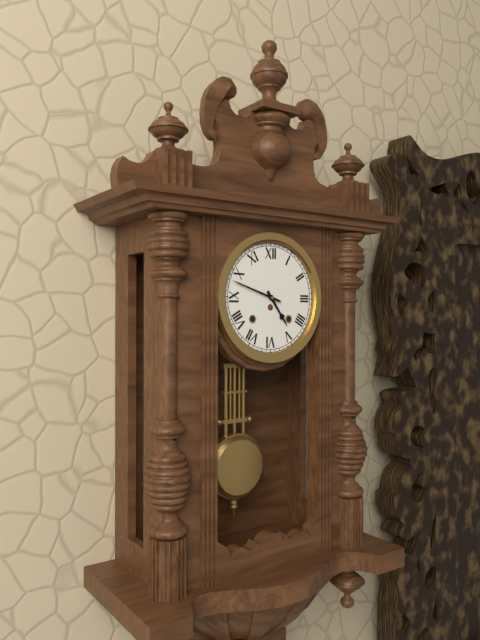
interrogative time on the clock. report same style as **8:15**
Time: **4:48**
